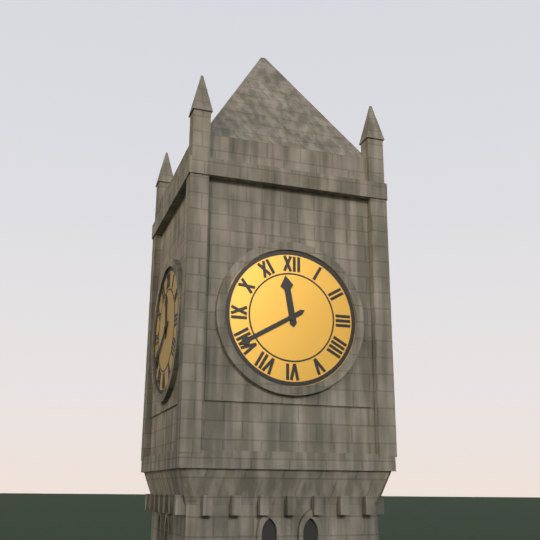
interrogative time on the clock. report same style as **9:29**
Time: **11:40**
